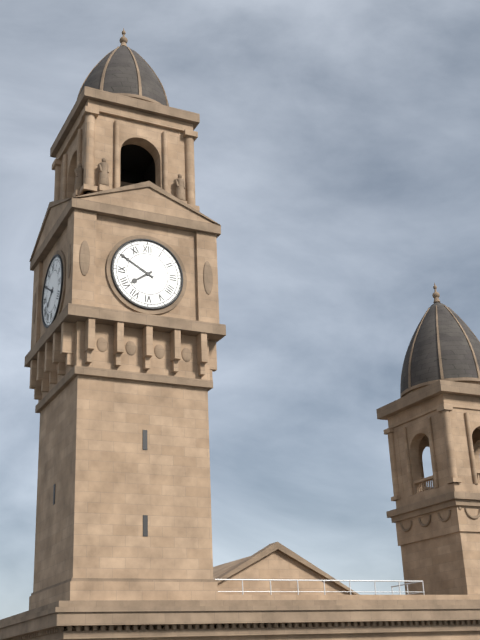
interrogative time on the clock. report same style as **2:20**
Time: **7:50**
